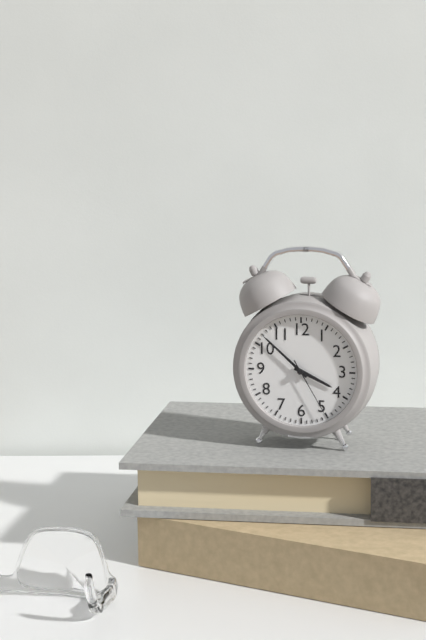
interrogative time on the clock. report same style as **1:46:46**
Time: **3:52:25**
